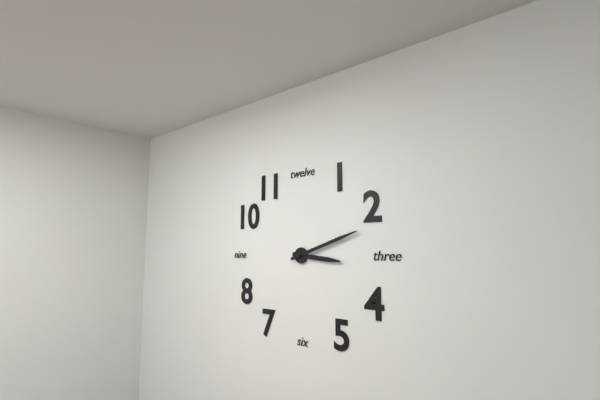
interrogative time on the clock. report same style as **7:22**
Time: **3:12**
